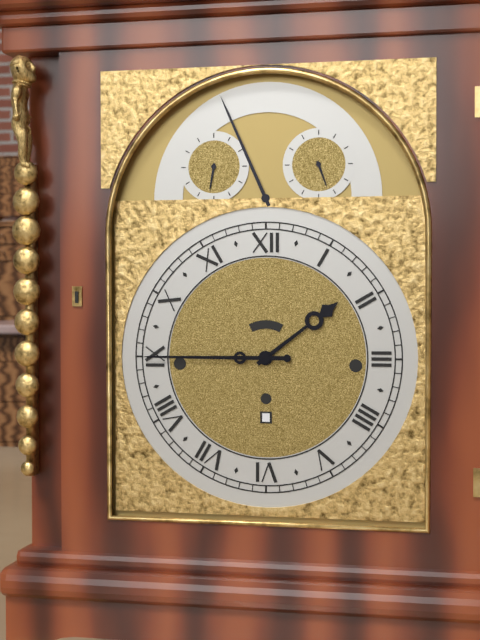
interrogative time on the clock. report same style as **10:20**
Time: **1:45**
